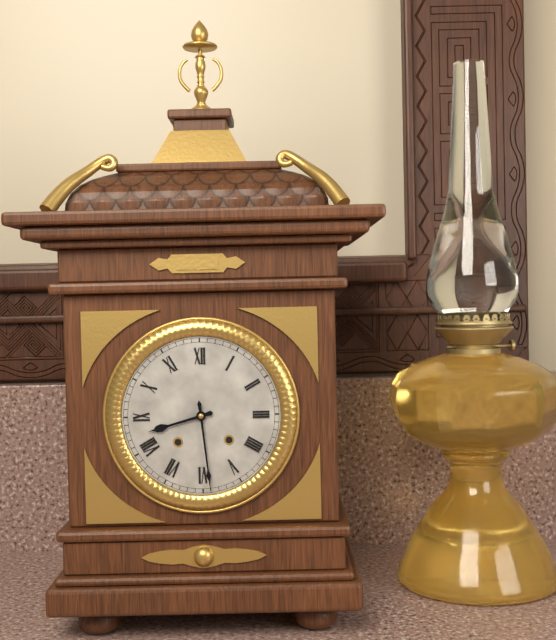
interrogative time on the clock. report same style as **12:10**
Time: **8:29**
